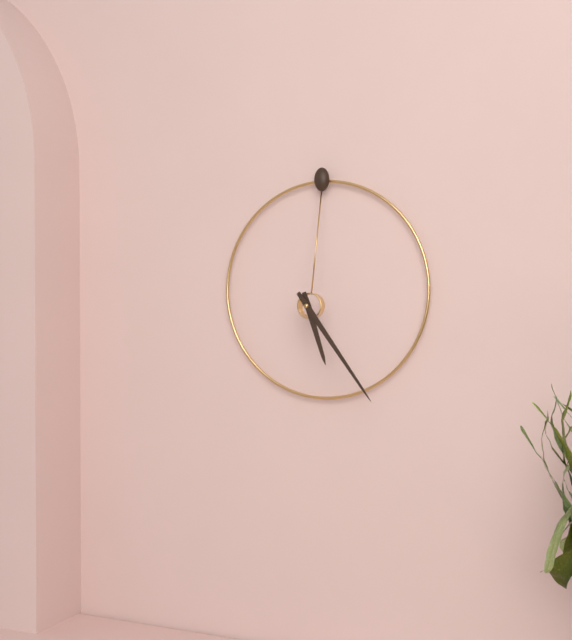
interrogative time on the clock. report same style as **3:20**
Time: **5:24**
